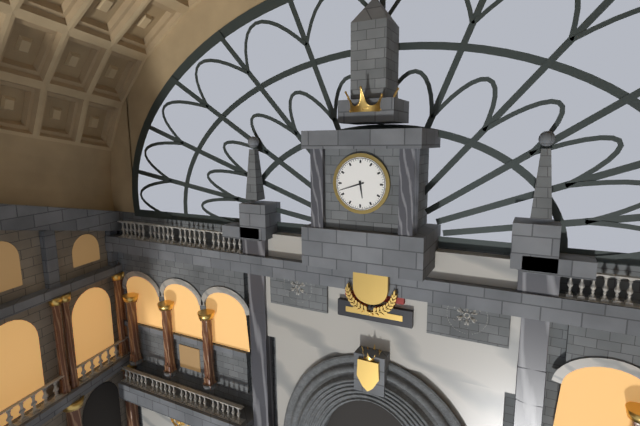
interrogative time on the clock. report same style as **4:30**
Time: **5:42**
